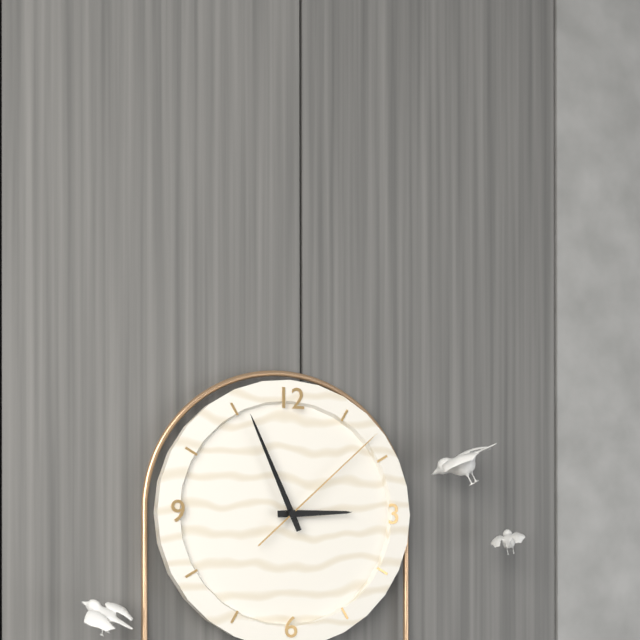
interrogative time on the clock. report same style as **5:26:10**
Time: **2:56:08**
